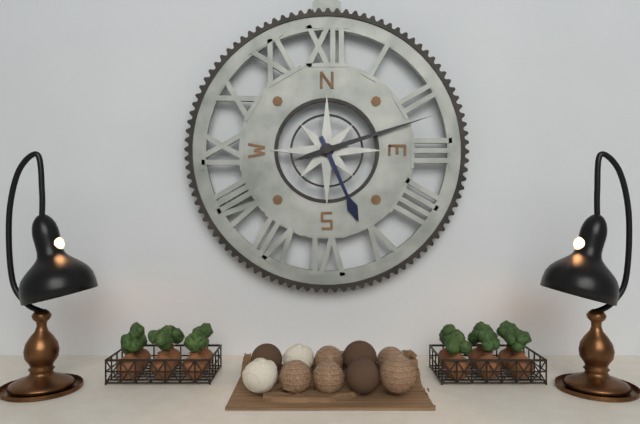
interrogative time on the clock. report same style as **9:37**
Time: **5:12**
